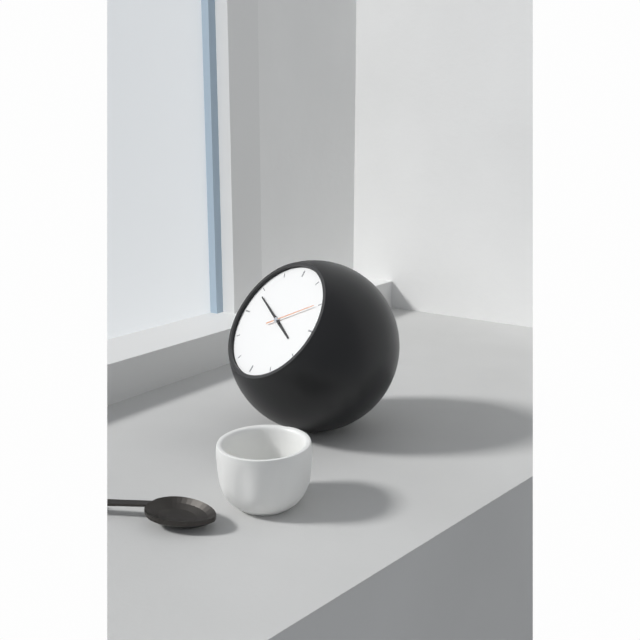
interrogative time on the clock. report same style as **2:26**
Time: **3:49**
